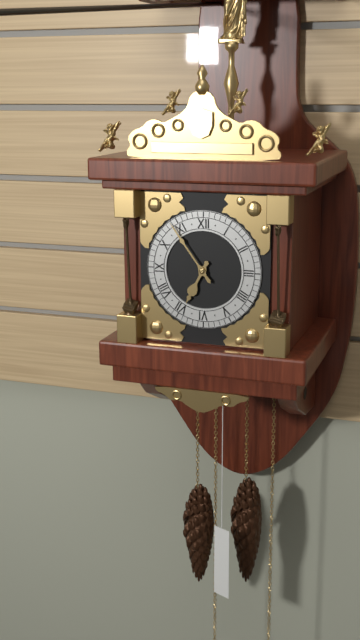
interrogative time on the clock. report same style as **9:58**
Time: **6:54**
